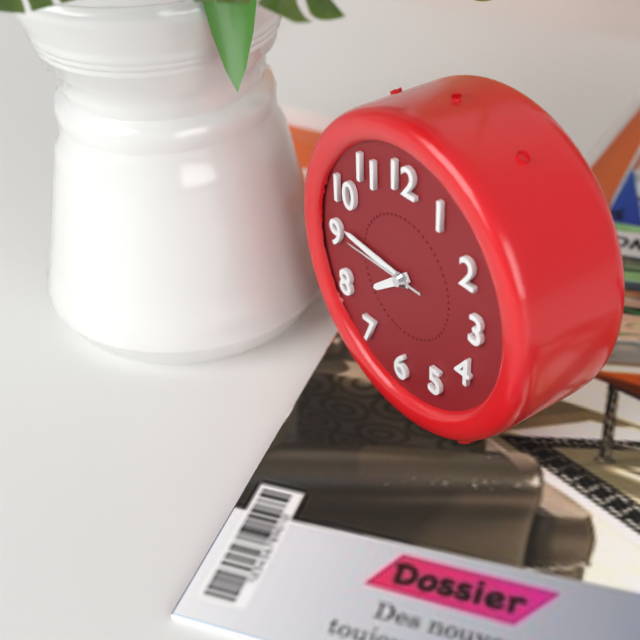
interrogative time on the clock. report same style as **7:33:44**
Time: **7:46:45**
